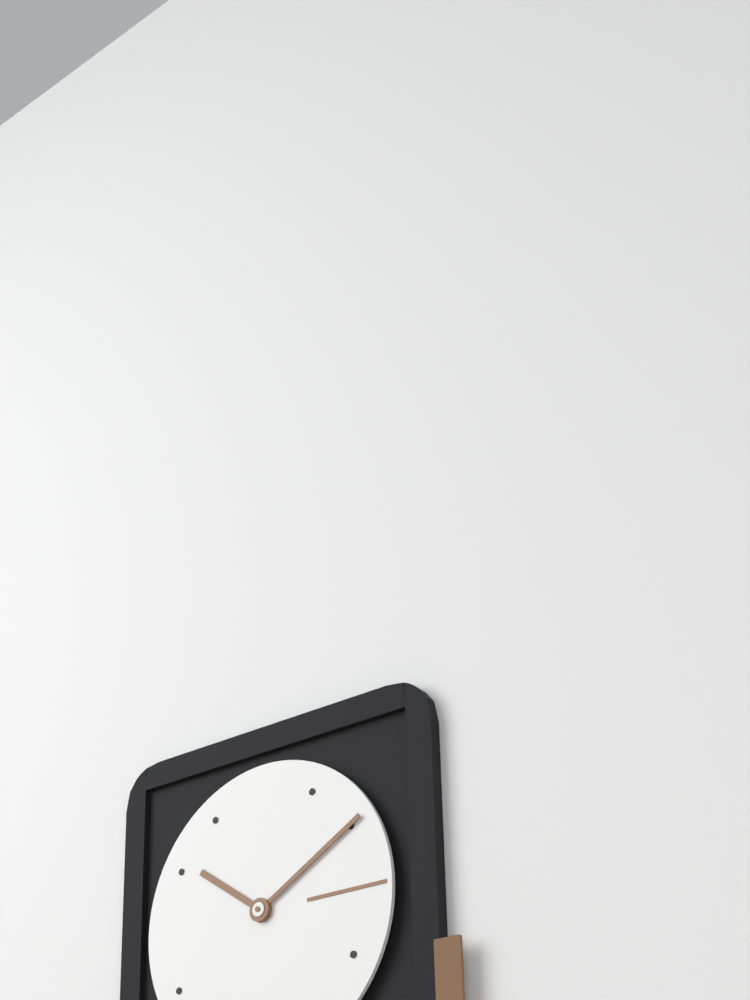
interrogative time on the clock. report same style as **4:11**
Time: **10:10**
